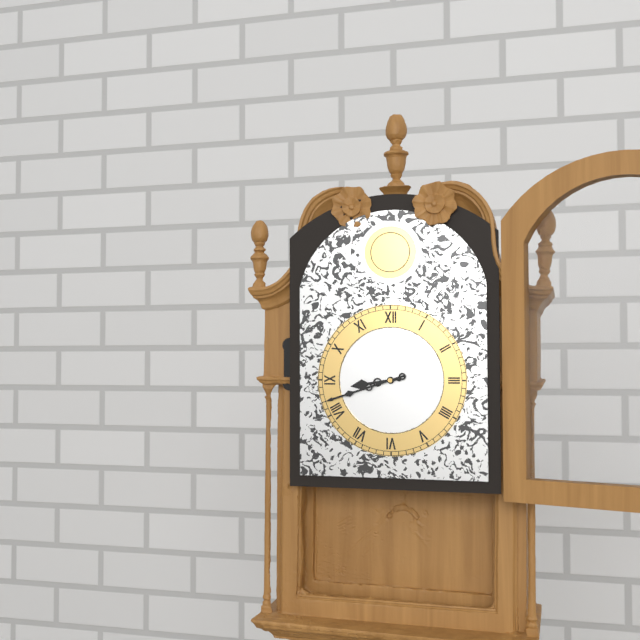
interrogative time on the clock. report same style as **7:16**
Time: **8:42**
